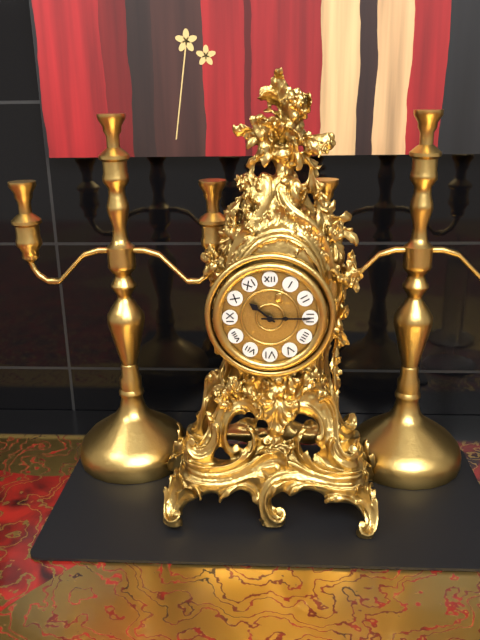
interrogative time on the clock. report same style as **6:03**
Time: **10:15**
